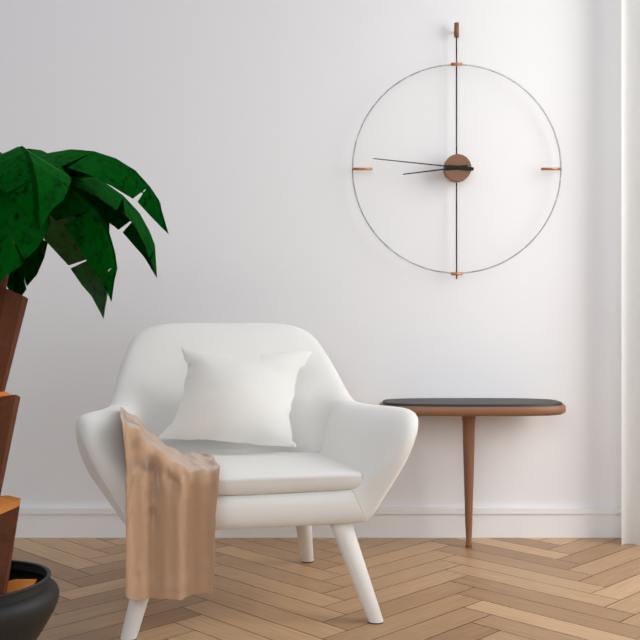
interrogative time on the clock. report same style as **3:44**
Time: **8:46**
